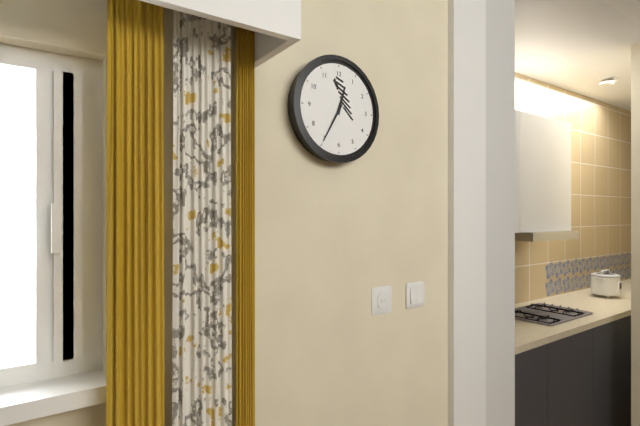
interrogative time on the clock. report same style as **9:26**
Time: **12:35**
